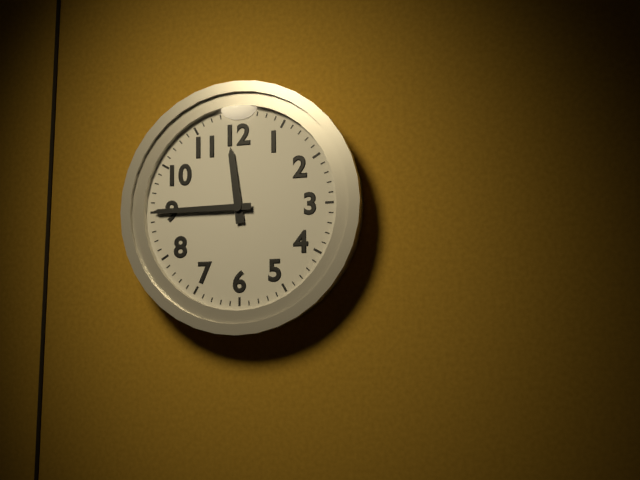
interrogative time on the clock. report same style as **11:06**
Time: **11:45**
